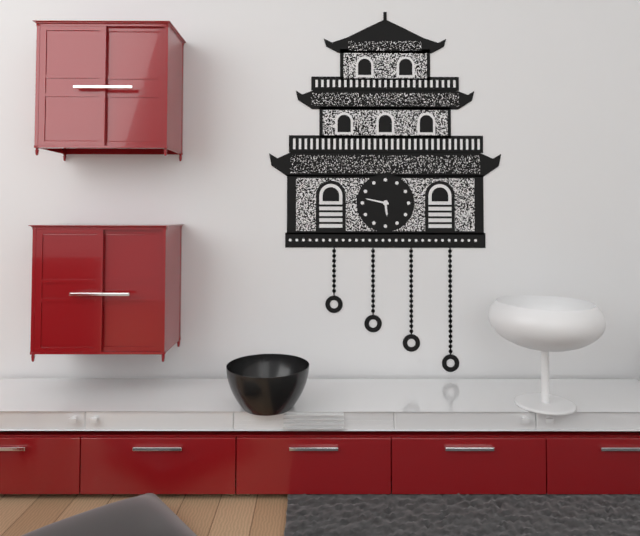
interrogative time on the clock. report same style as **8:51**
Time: **5:47**
